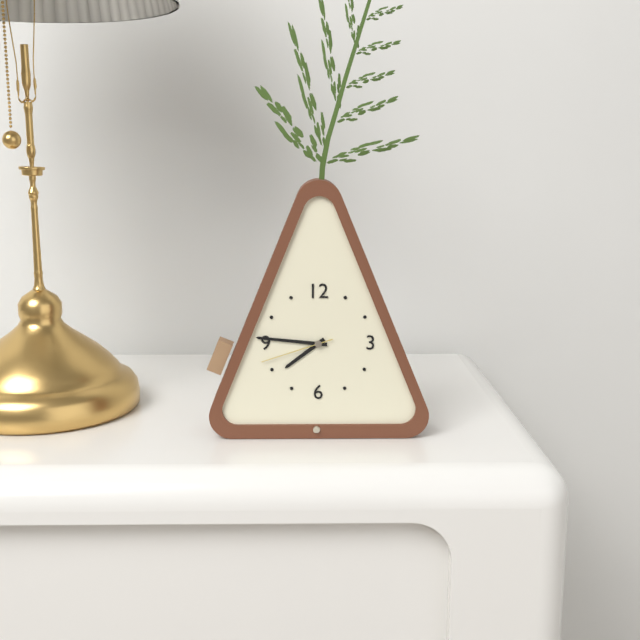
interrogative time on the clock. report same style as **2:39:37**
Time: **7:46:42**
